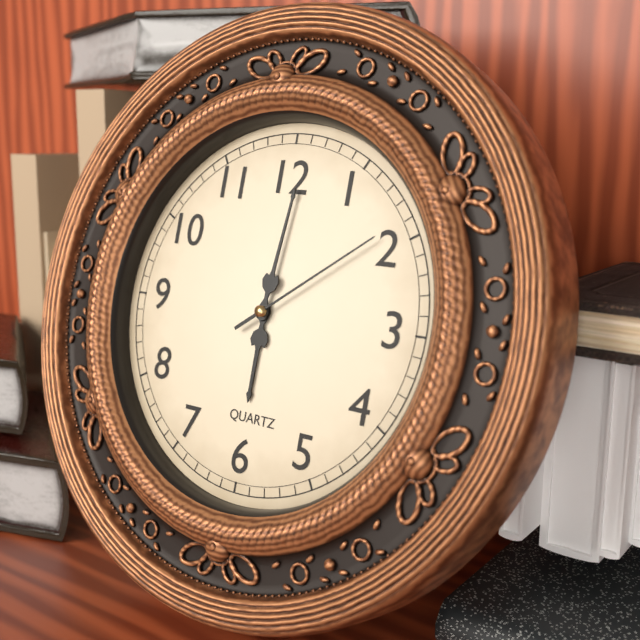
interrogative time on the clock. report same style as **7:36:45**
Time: **6:01:09**
